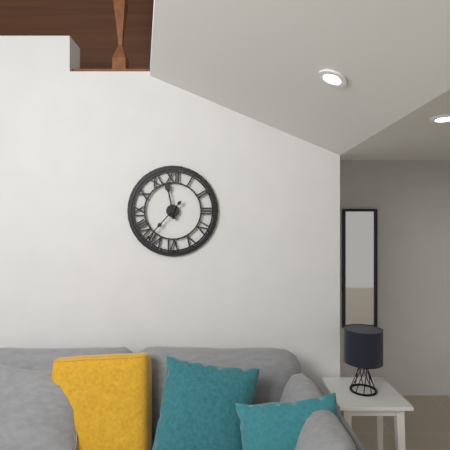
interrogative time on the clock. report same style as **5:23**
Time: **11:37**
